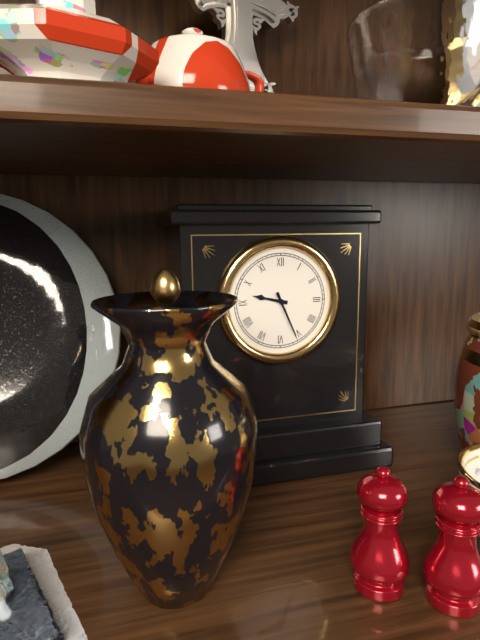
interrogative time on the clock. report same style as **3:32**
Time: **9:26**
